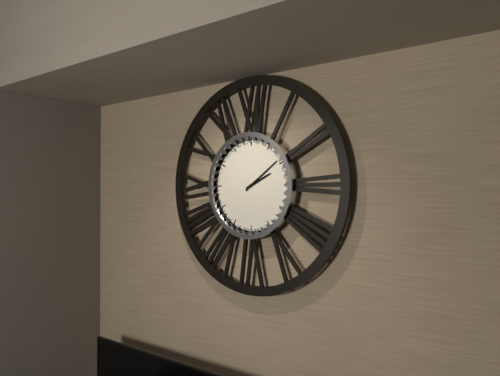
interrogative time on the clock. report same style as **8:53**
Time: **2:09**
